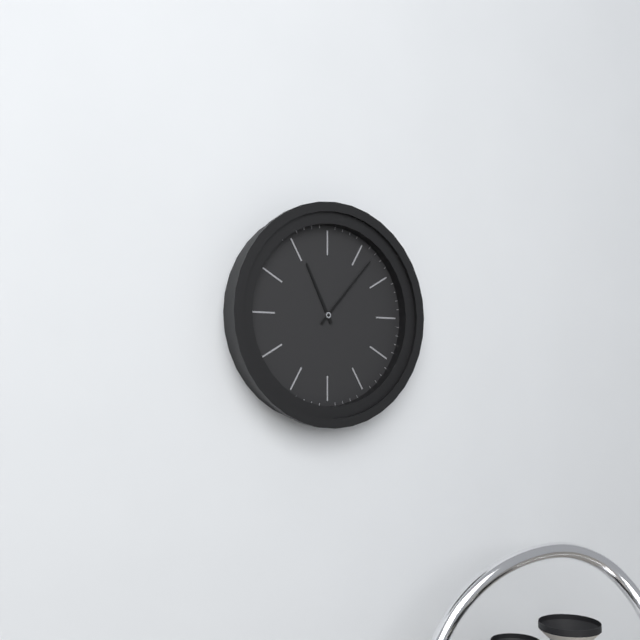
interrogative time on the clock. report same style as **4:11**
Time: **11:07**
